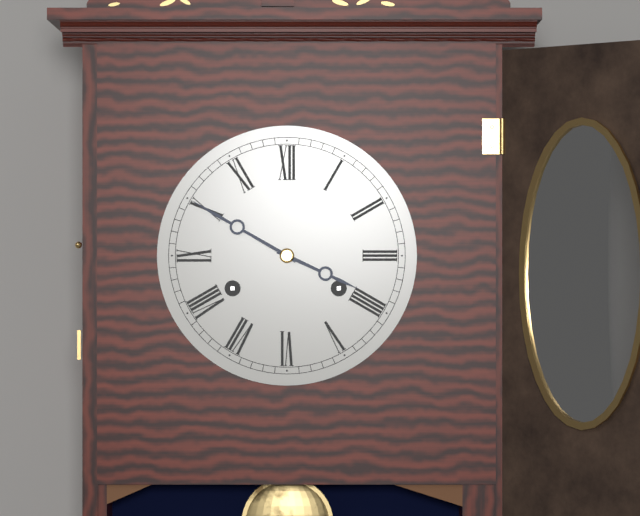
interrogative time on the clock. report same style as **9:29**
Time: **3:50**
